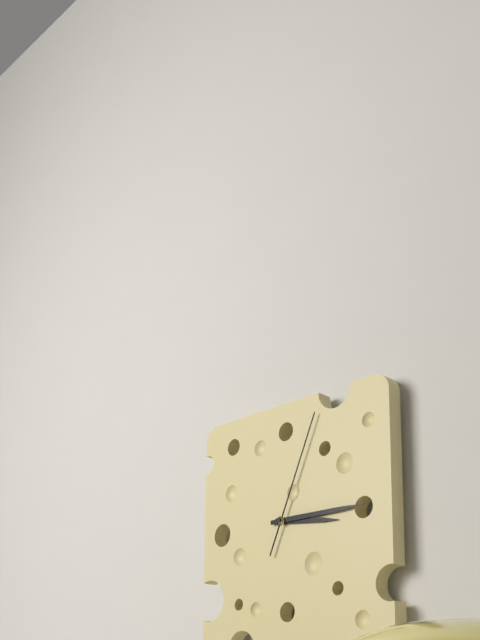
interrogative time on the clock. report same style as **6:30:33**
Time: **3:15:04**
